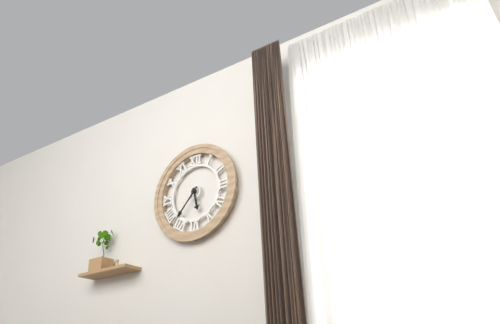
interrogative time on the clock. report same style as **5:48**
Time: **5:37**
